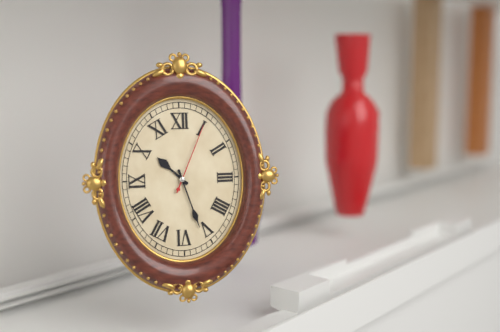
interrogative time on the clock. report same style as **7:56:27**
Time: **10:27:04**
